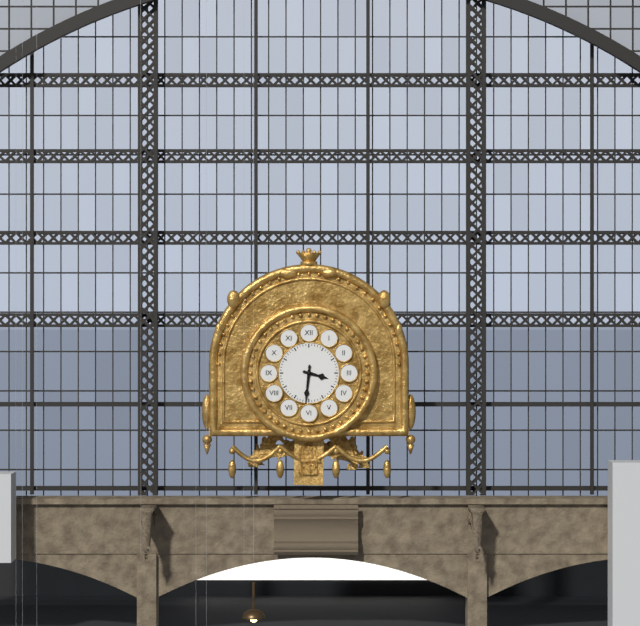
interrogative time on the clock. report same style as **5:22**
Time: **3:31**
